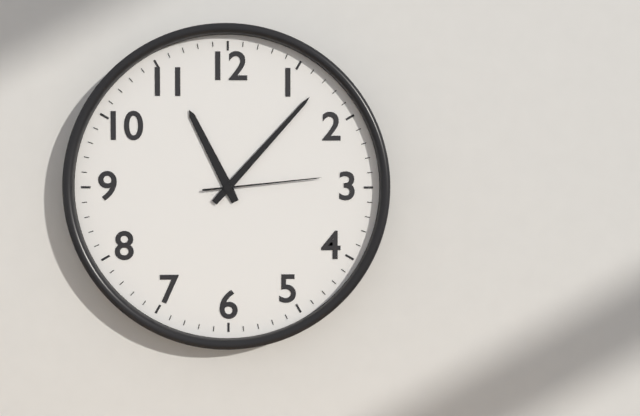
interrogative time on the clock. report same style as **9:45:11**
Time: **11:07:14**
